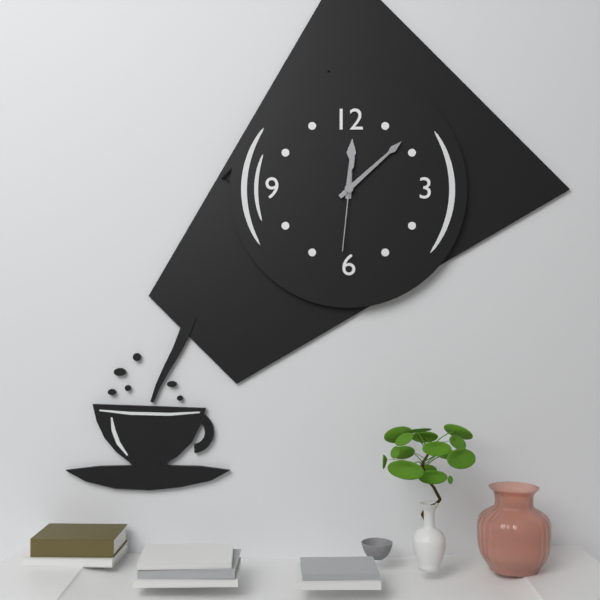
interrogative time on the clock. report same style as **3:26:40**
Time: **12:08:31**
